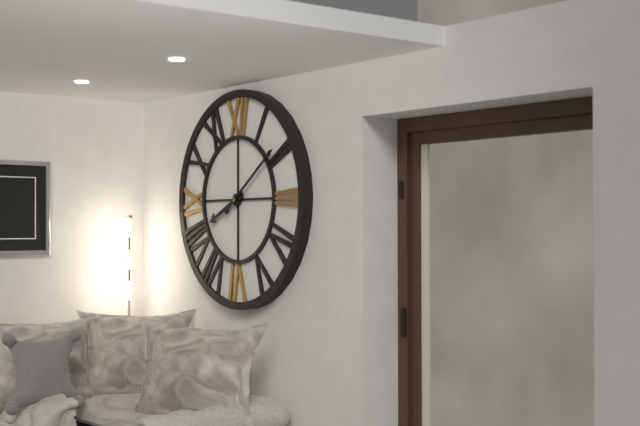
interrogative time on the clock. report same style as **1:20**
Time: **8:09**
